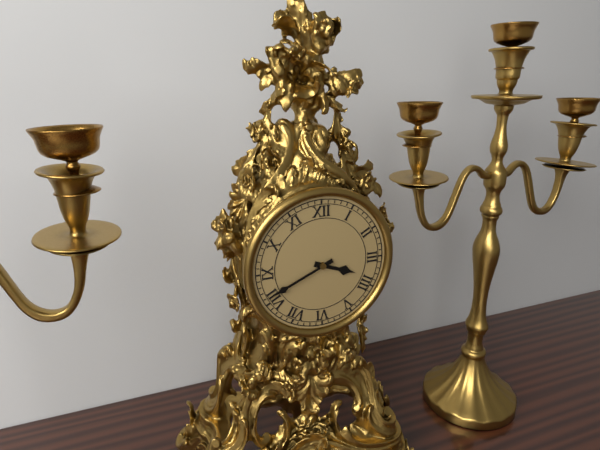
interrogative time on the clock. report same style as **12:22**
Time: **3:41**
